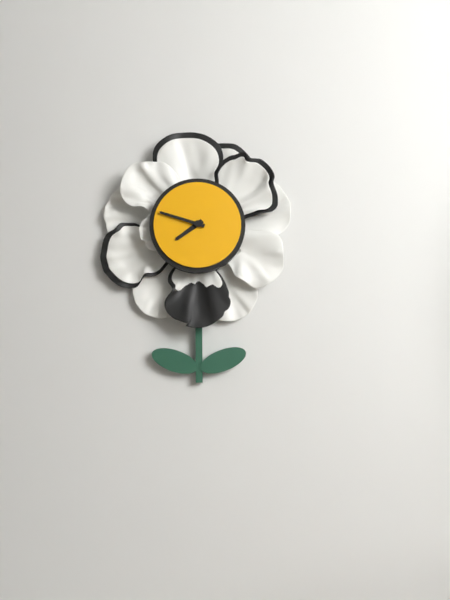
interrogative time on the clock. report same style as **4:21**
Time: **7:48**
